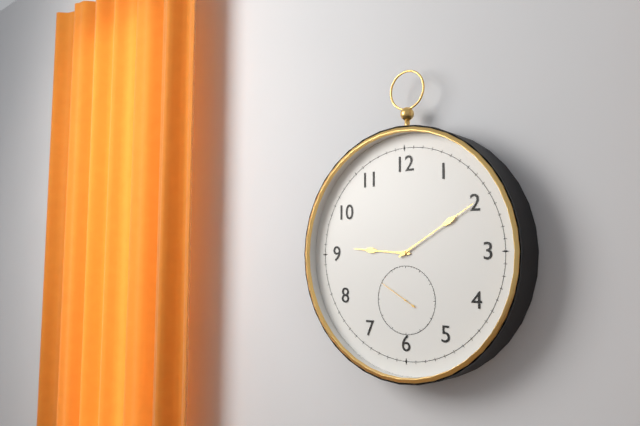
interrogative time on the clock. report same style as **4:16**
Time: **9:10**
